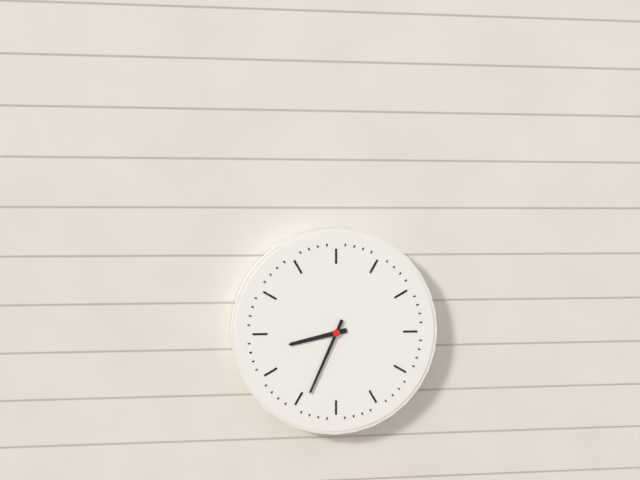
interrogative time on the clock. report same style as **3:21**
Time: **8:34**
